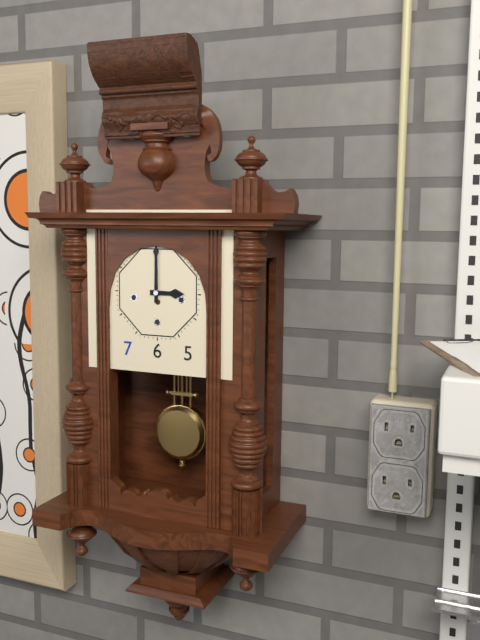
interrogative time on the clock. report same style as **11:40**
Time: **3:00**
